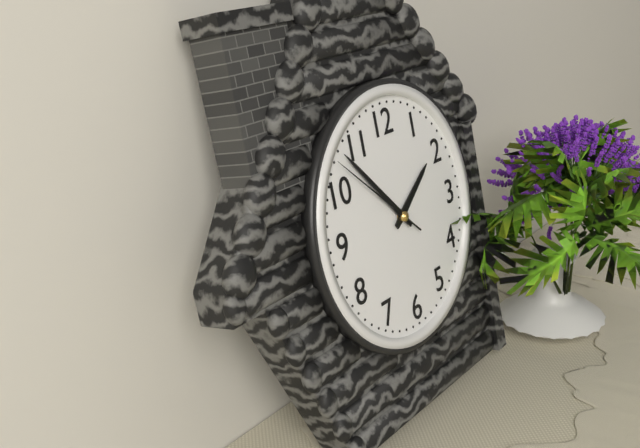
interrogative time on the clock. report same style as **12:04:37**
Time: **1:53:52**
